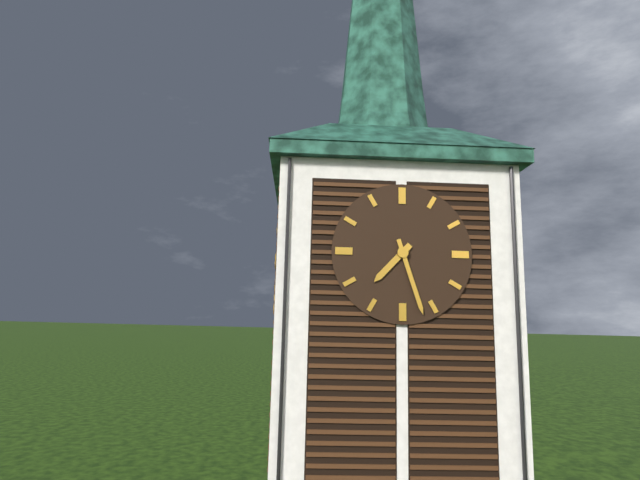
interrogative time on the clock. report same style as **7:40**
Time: **7:27**
